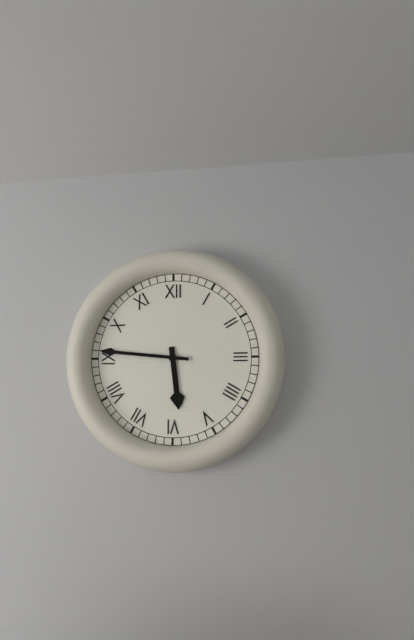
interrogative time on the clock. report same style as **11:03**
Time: **5:46**
